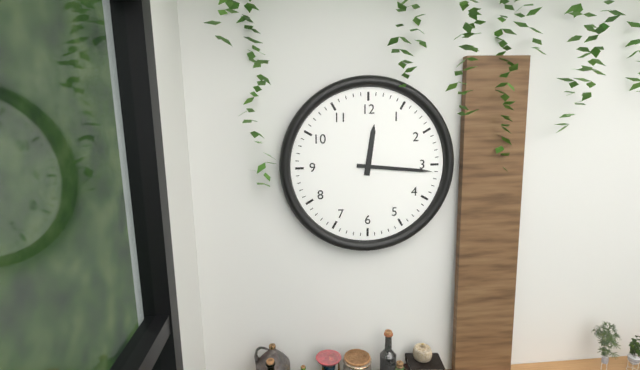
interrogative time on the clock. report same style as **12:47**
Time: **12:16**
